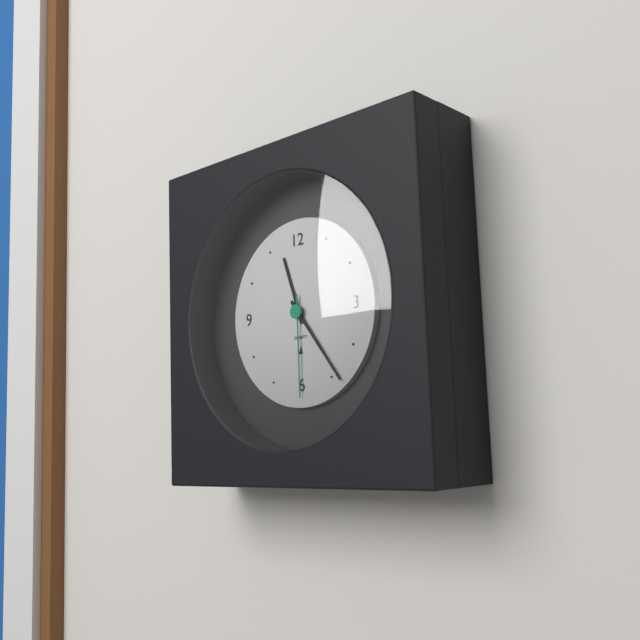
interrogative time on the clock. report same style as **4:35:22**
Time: **11:24:30**
